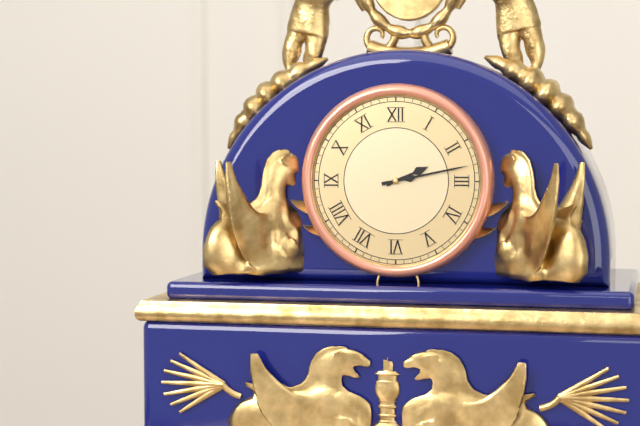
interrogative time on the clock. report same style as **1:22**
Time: **2:13**
